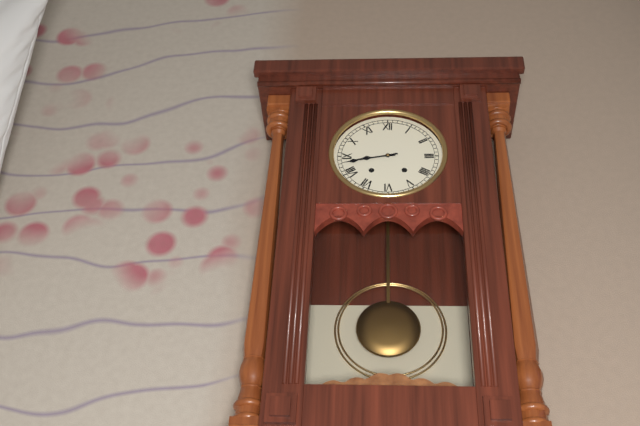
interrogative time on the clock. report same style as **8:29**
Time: **8:43**
